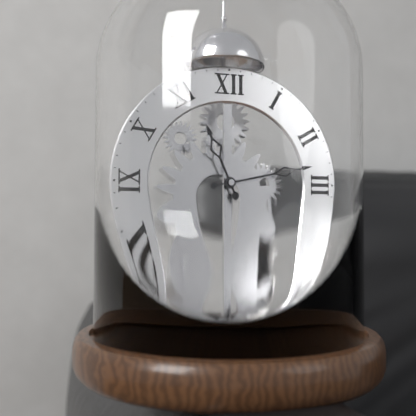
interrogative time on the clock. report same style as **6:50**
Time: **11:13**
